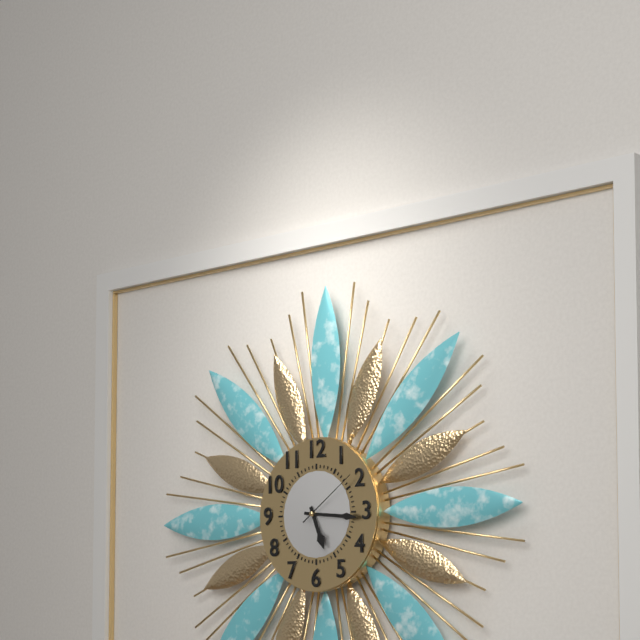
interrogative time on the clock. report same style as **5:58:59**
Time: **5:16:09**
